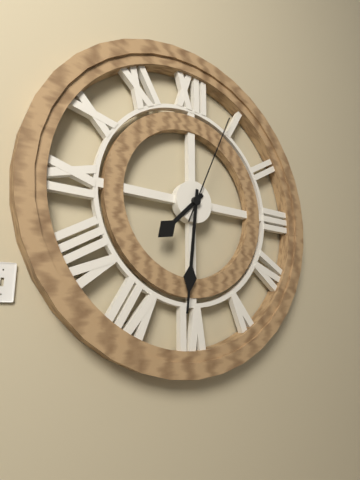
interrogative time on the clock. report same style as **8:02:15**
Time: **7:31:04**
